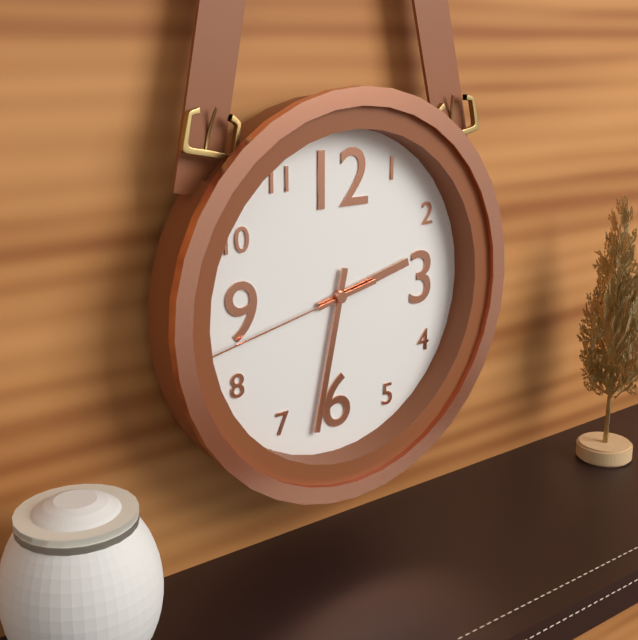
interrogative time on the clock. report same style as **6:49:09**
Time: **2:32:43**
